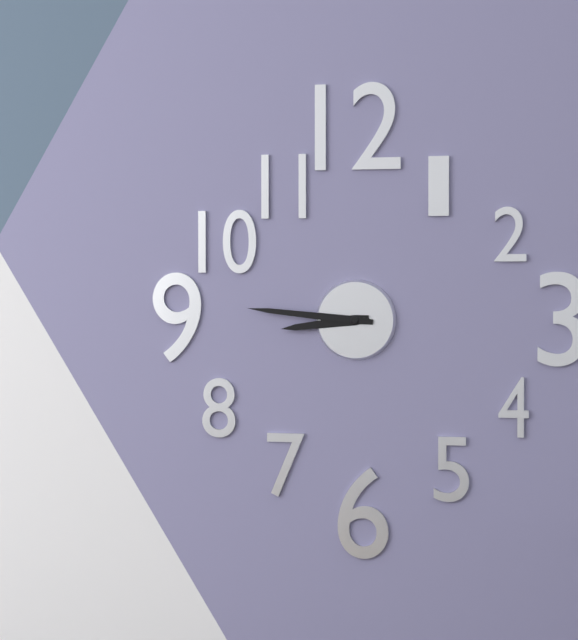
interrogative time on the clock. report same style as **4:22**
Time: **8:46**
